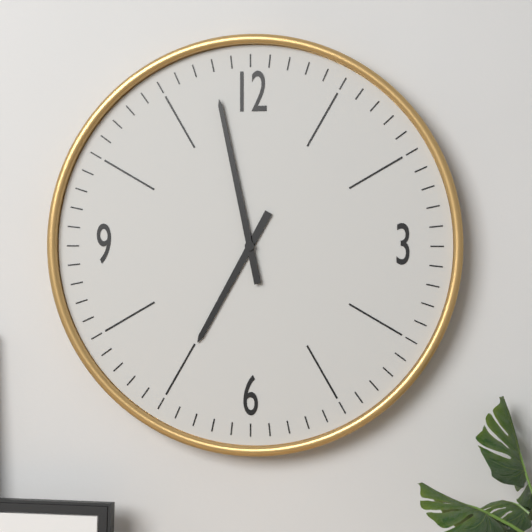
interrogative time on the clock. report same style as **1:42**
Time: **6:58**
